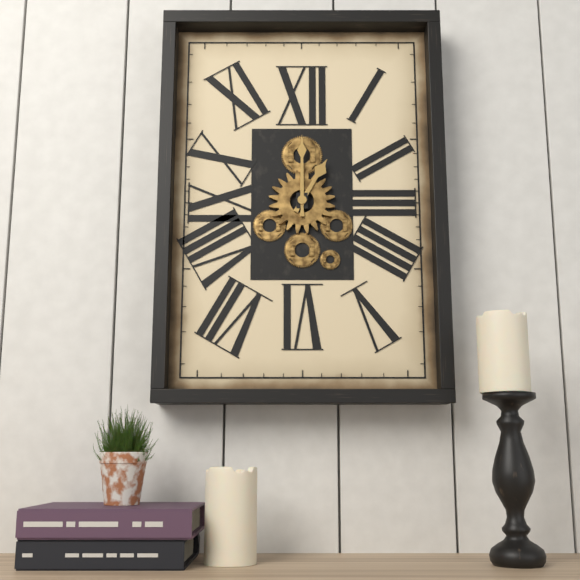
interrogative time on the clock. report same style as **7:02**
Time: **1:00**
